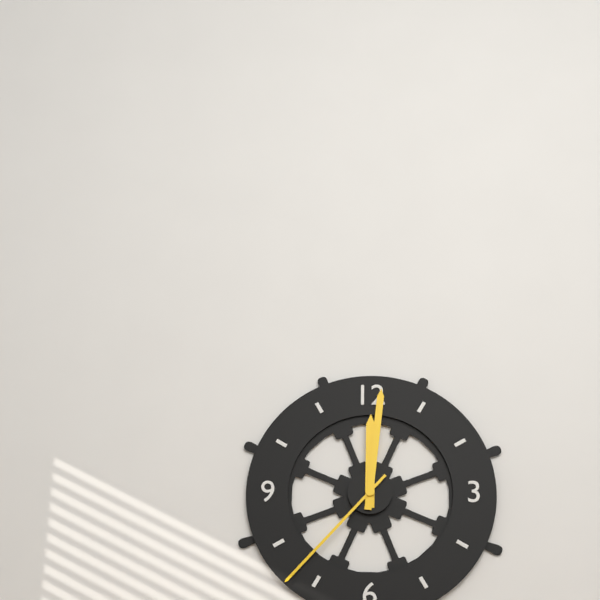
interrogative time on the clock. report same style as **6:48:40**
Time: **12:01:37**
